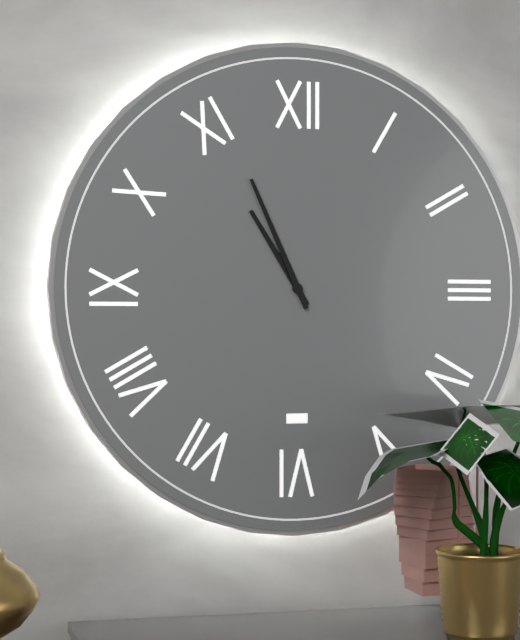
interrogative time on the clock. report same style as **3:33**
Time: **10:56**
